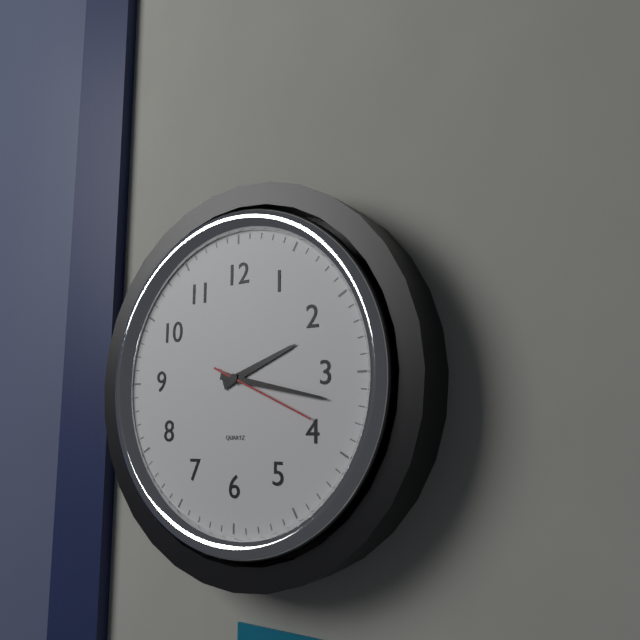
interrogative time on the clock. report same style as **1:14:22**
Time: **2:17:19**
